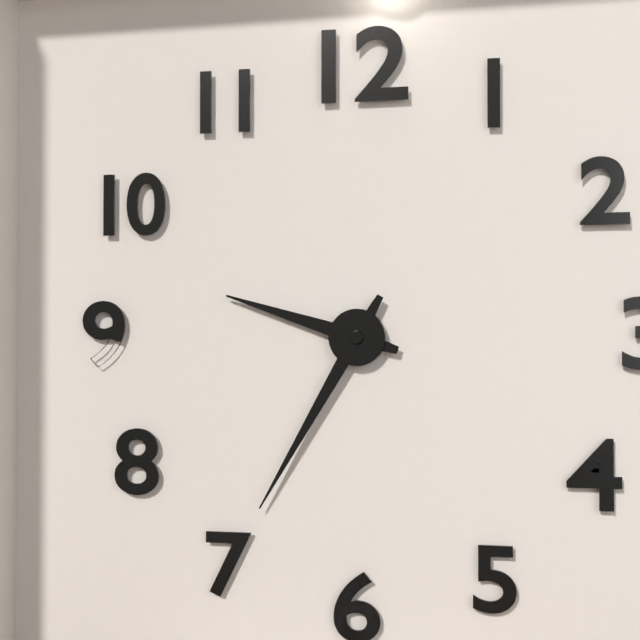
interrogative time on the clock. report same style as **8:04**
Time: **9:35**
